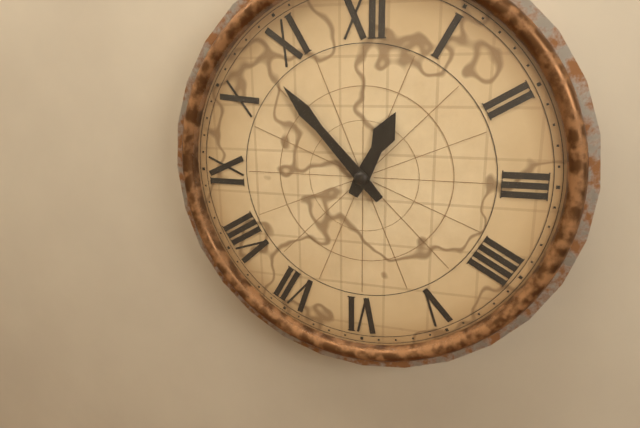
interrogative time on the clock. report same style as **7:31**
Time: **12:53**
